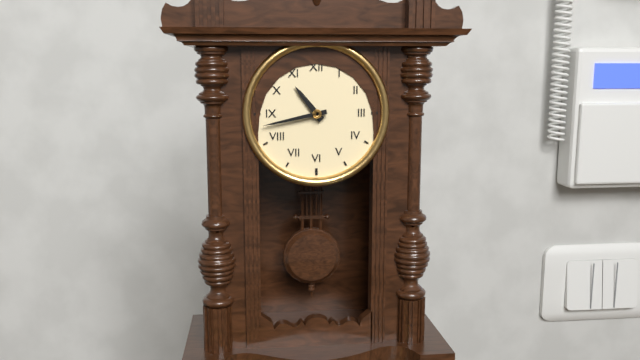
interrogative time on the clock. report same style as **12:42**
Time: **10:43**
